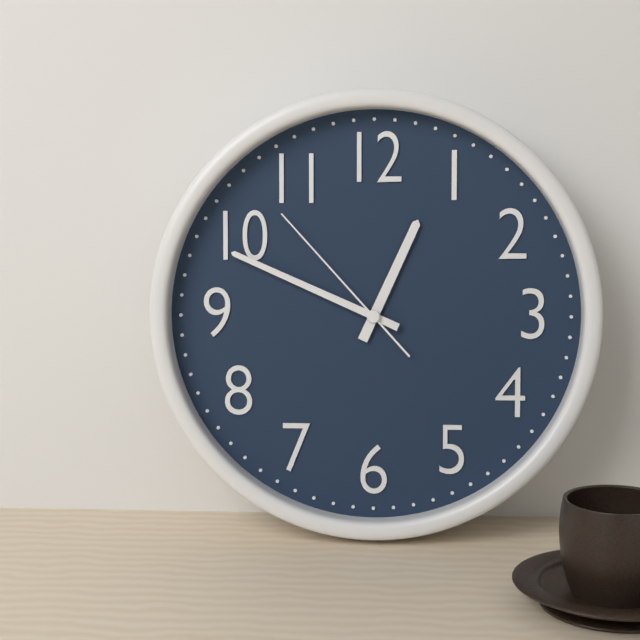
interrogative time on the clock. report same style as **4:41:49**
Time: **12:49:53**
